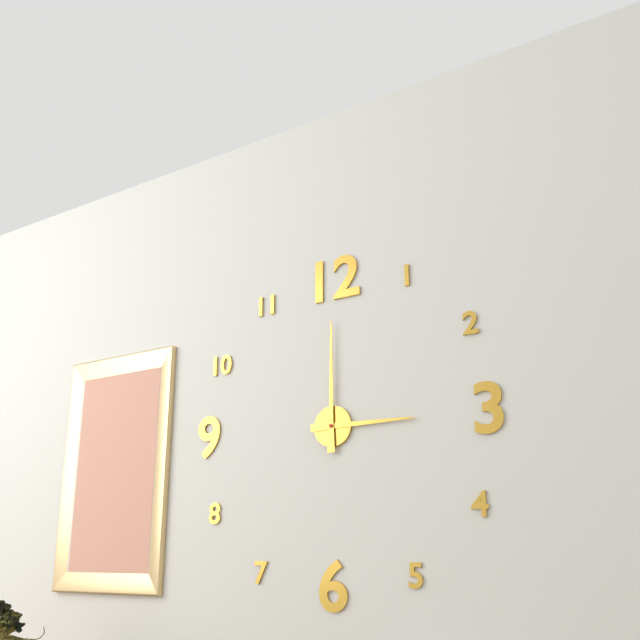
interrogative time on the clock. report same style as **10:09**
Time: **3:00**
